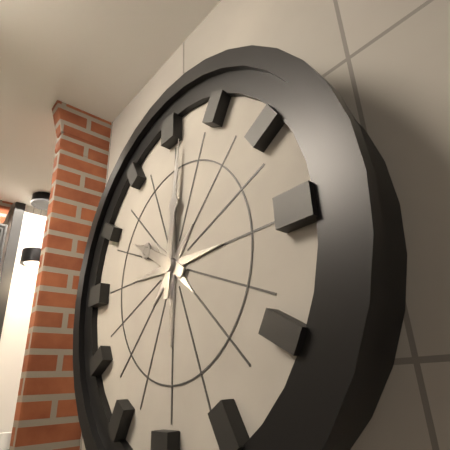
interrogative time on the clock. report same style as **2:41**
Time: **10:01**
